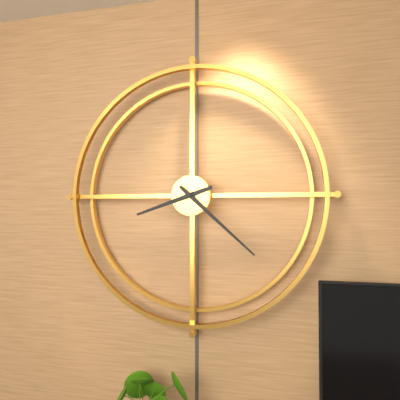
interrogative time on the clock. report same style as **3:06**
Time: **8:22**
